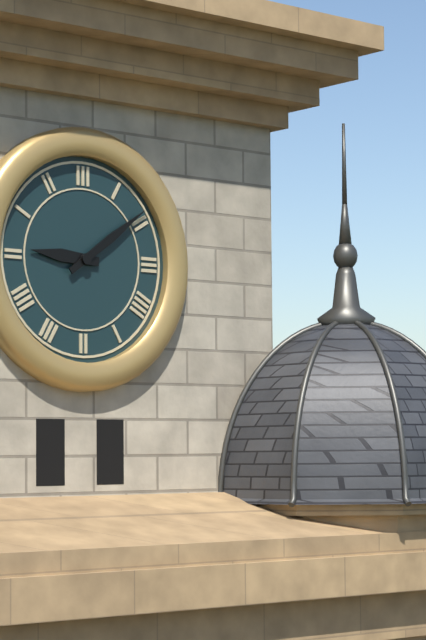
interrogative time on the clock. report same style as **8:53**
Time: **9:09**
